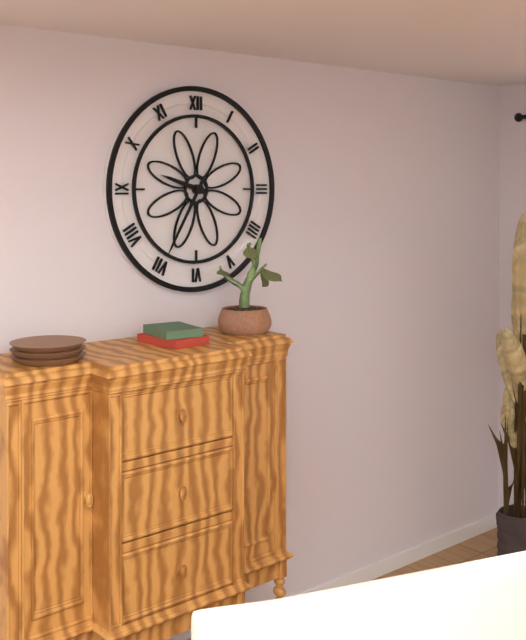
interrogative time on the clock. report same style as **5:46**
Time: **9:35**
